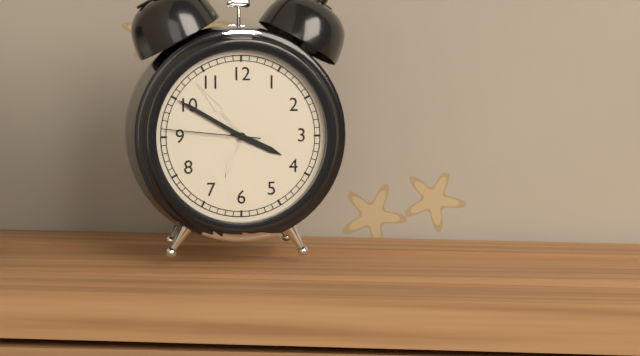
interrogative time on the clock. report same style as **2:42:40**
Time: **3:50:46**
